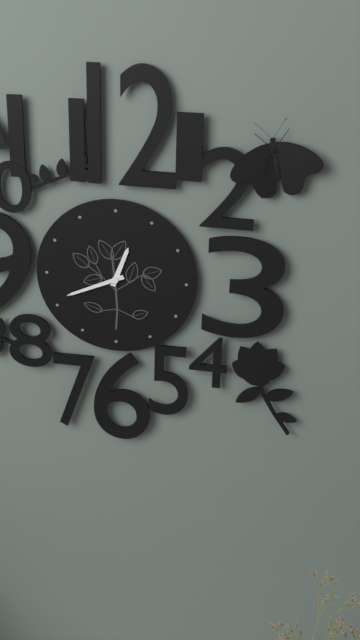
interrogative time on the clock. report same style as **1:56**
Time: **12:41**
